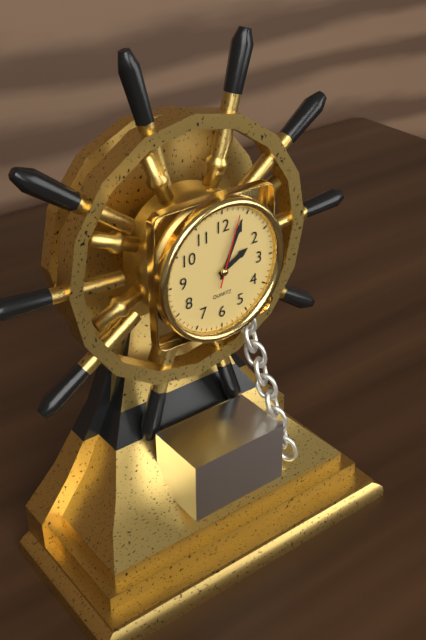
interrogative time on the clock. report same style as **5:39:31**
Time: **2:04:03**
